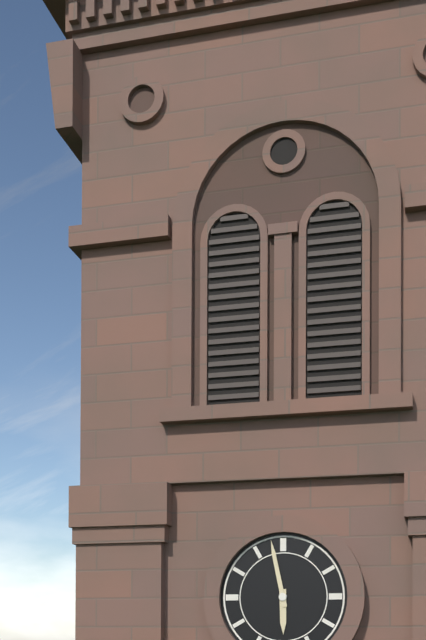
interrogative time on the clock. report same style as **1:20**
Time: **5:58**
